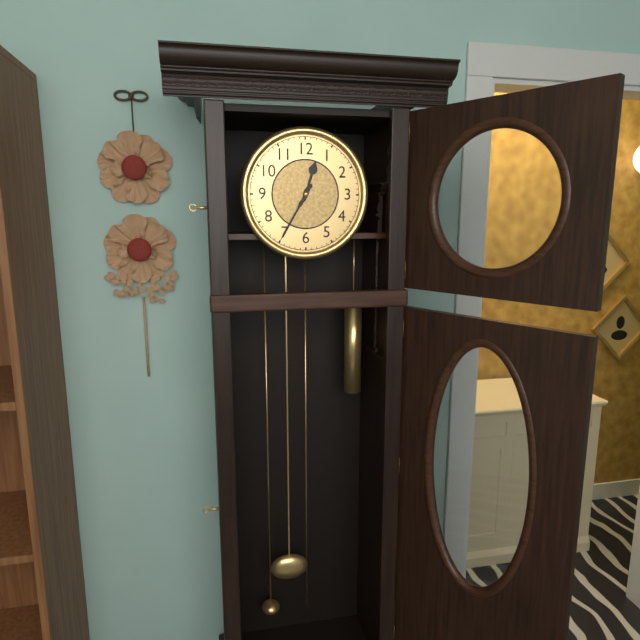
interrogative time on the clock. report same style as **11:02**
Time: **12:35**
